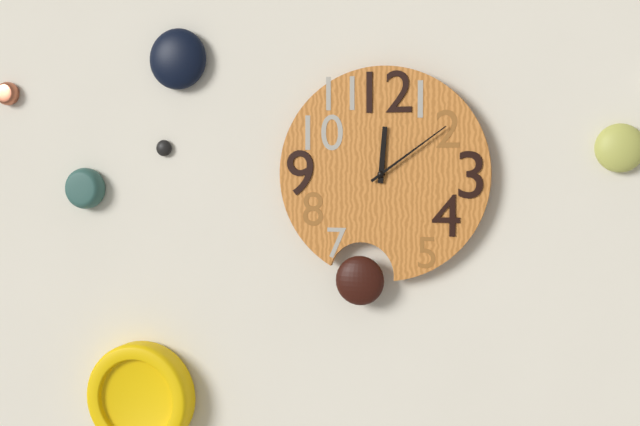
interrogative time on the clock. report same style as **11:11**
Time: **12:09**
